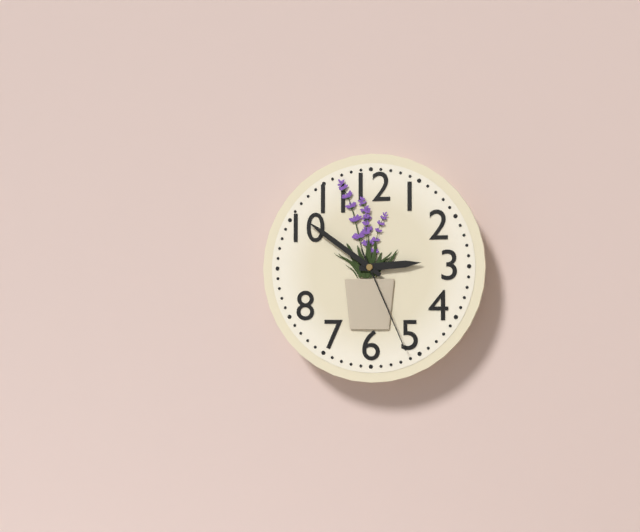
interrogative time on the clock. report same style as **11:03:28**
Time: **2:51:26**
